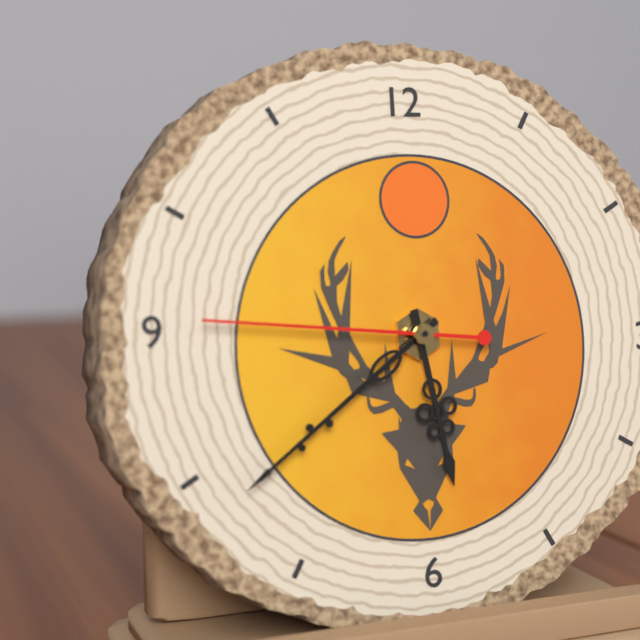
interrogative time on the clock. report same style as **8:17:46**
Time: **5:39:46**
